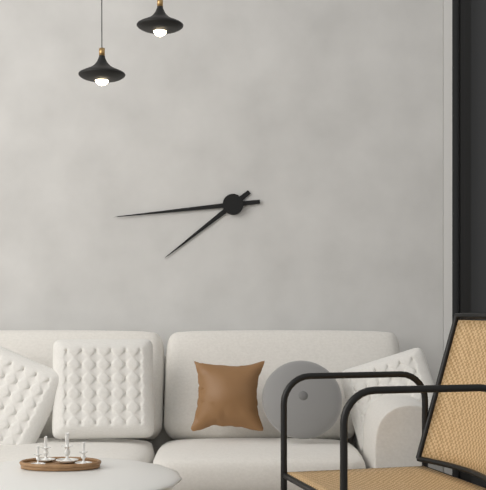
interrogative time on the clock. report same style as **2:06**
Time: **7:44**
